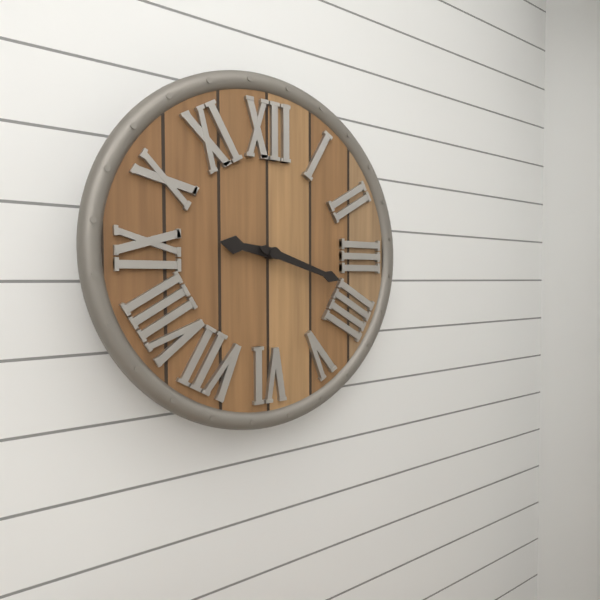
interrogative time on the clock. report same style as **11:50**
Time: **9:18**
